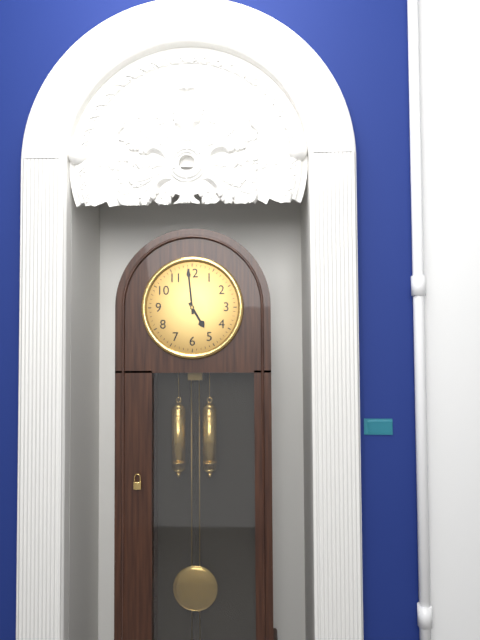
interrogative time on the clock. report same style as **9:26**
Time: **4:59**
